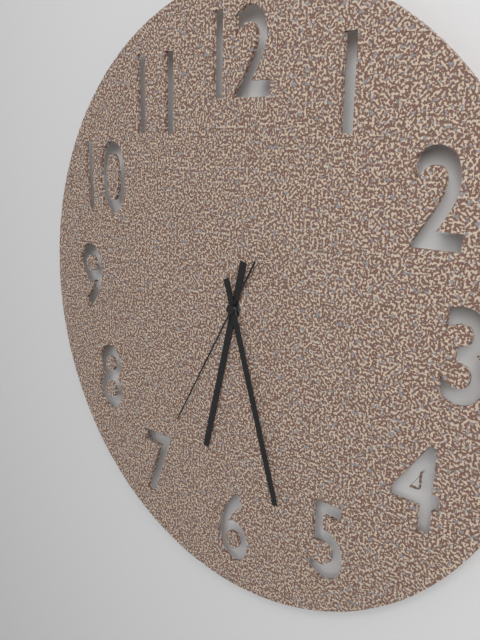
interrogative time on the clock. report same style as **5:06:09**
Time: **6:27:35**
